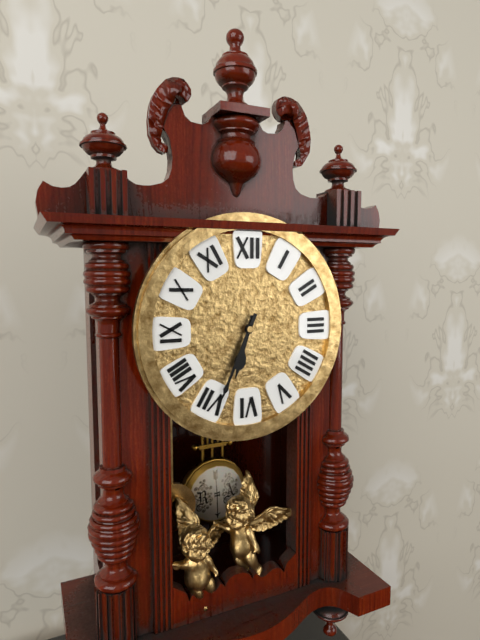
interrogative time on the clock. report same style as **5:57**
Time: **6:34**
